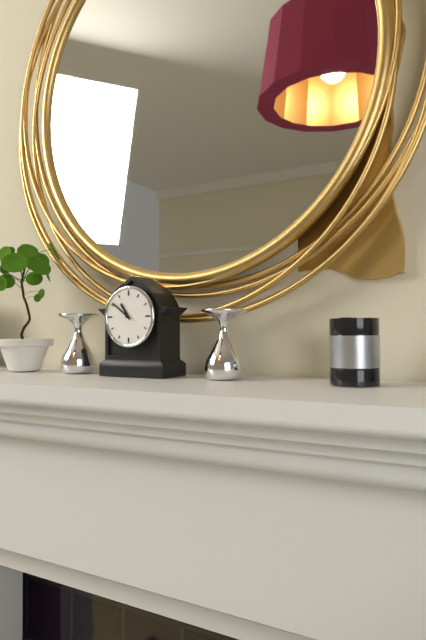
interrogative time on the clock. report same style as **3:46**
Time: **10:51**
